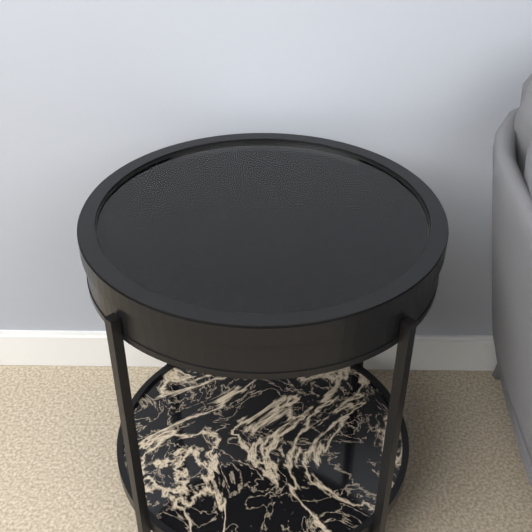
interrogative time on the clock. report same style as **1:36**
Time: **6:09**
